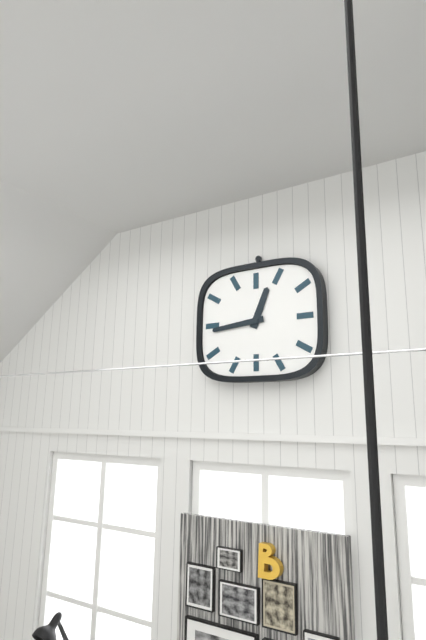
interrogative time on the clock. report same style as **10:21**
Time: **12:44**
